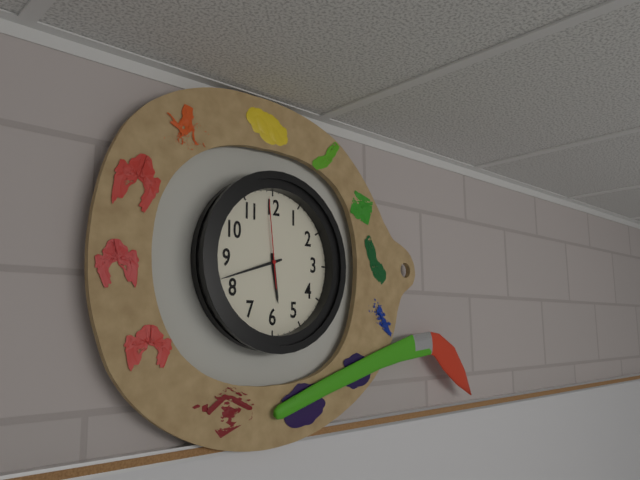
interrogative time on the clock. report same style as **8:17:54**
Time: **5:42:59**
